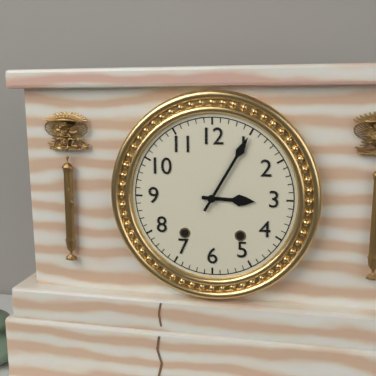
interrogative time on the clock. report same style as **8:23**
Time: **3:05**
